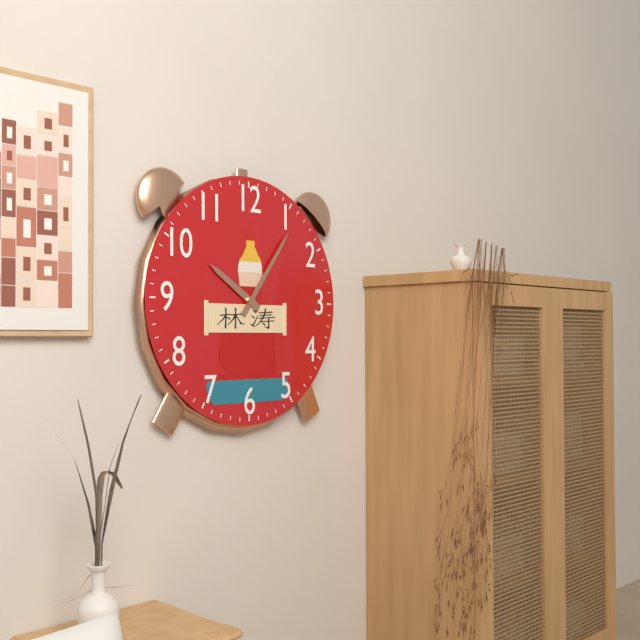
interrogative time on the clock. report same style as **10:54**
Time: **10:06**
